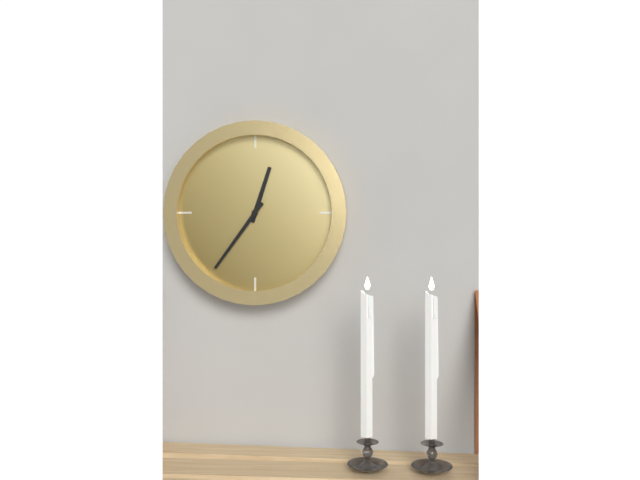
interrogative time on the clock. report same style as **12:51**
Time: **12:36**
